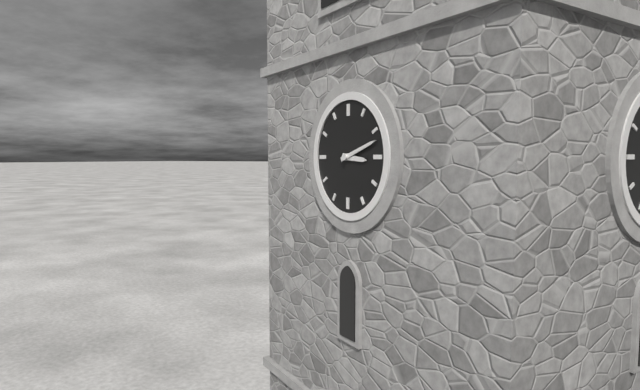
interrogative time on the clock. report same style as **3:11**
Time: **3:12**
